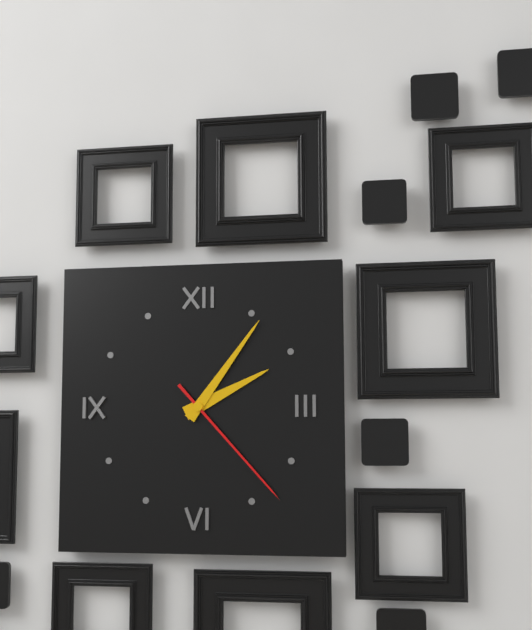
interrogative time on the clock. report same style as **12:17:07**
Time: **2:06:23**
